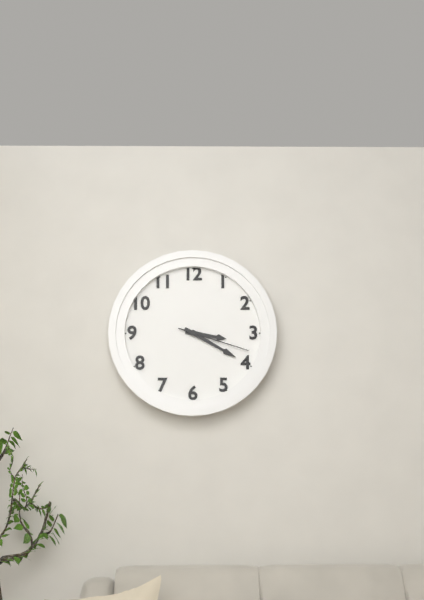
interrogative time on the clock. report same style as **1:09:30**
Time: **3:20:18**
